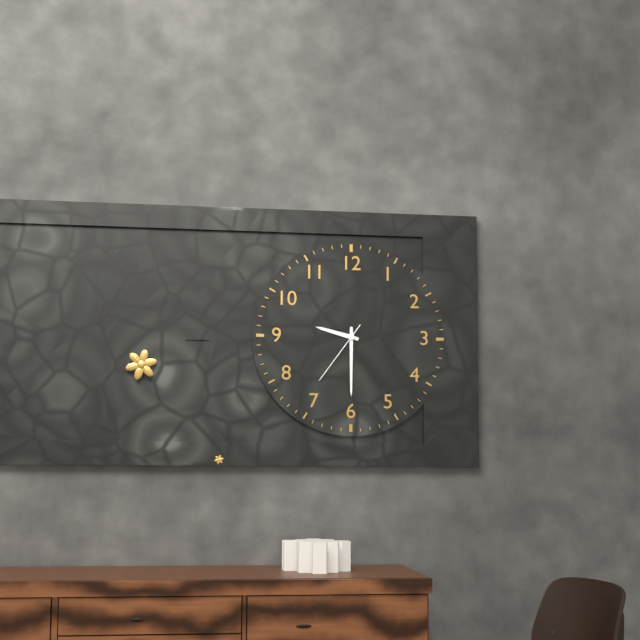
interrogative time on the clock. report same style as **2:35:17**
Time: **9:30:36**
